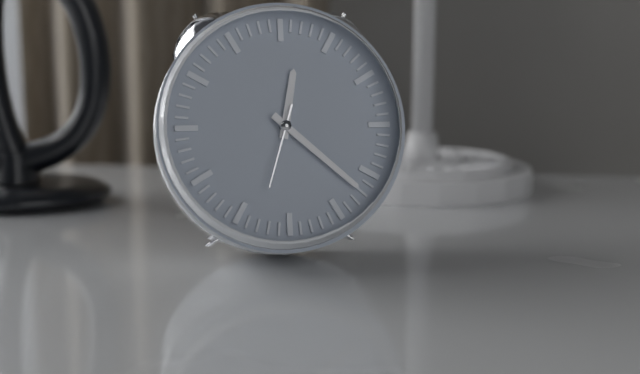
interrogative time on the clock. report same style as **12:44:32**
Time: **12:22:33**
